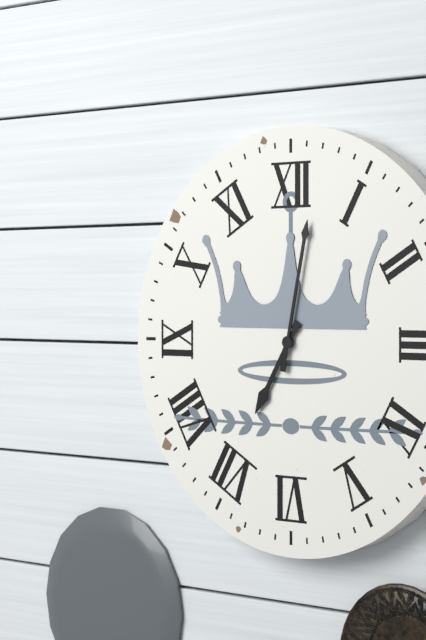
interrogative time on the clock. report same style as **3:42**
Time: **7:02**
